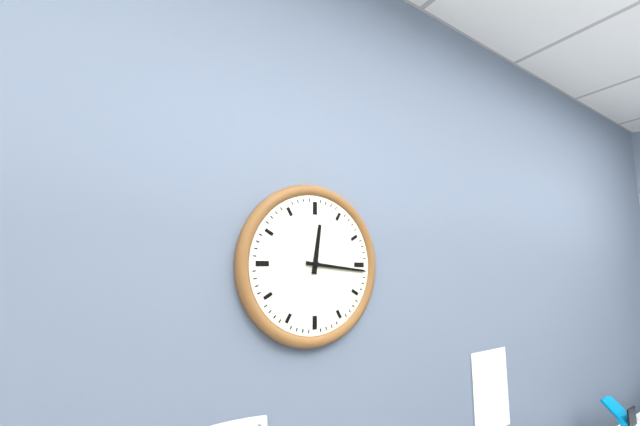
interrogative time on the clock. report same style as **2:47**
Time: **12:16**
